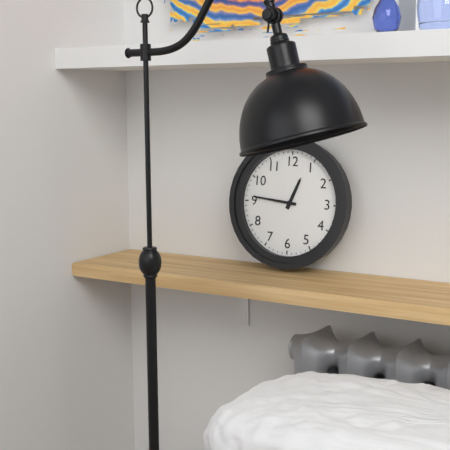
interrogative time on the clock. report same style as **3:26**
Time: **12:46**
